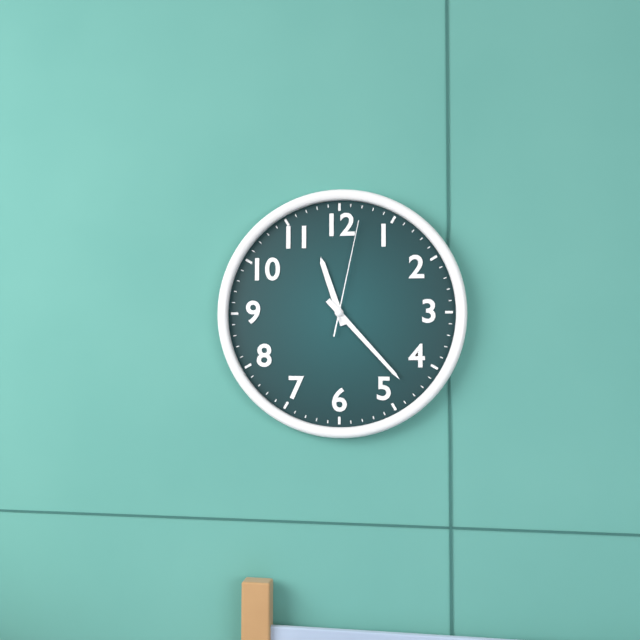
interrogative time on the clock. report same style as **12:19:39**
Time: **11:23:02**
